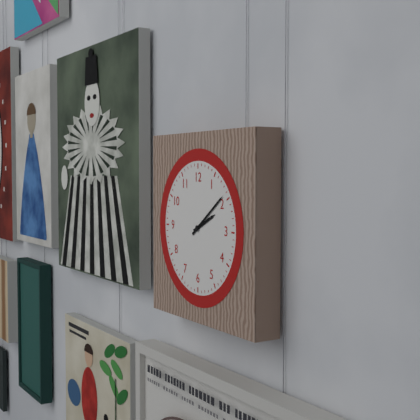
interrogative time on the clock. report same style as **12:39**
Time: **2:09**
